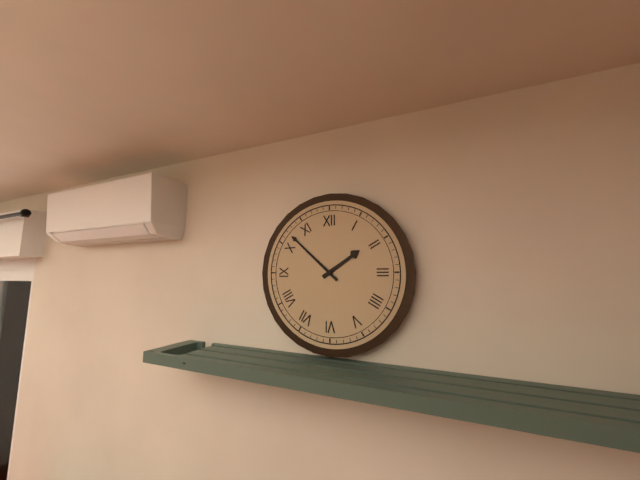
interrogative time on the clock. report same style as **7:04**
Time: **1:52**
